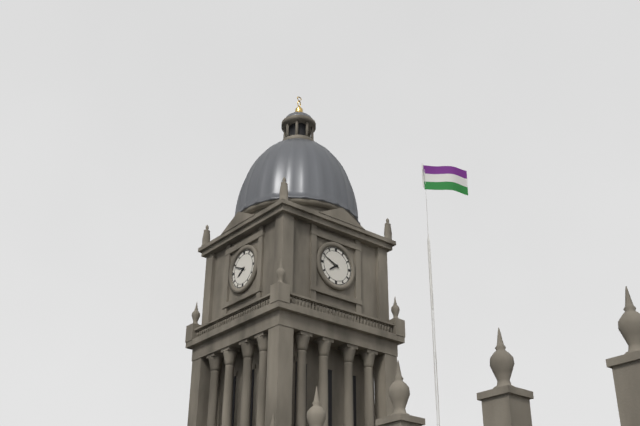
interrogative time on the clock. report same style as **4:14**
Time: **7:49**
